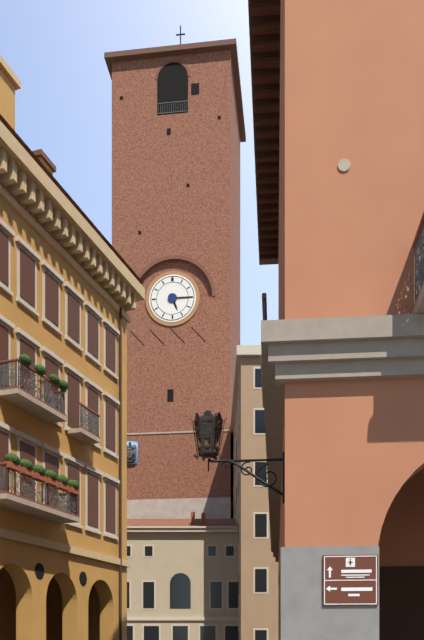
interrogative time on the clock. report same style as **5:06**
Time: **5:15**
